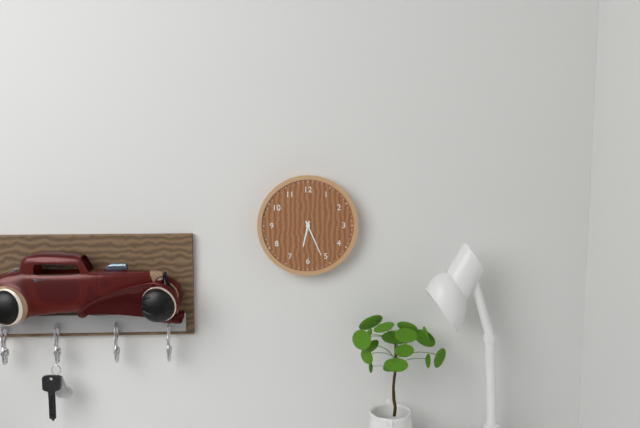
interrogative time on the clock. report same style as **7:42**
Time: **6:26**
